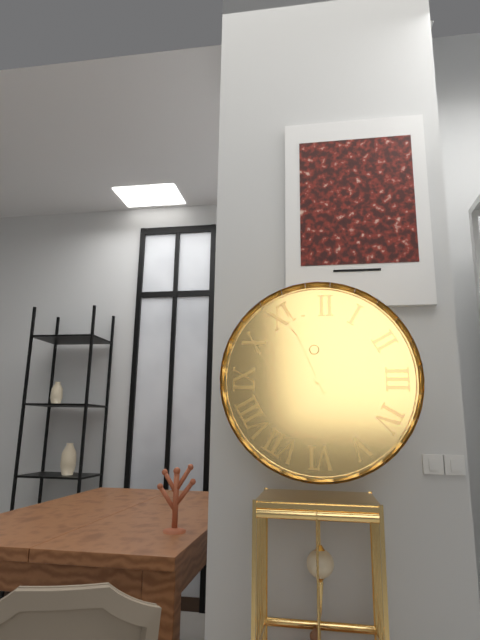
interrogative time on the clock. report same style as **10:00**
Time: **5:56**
